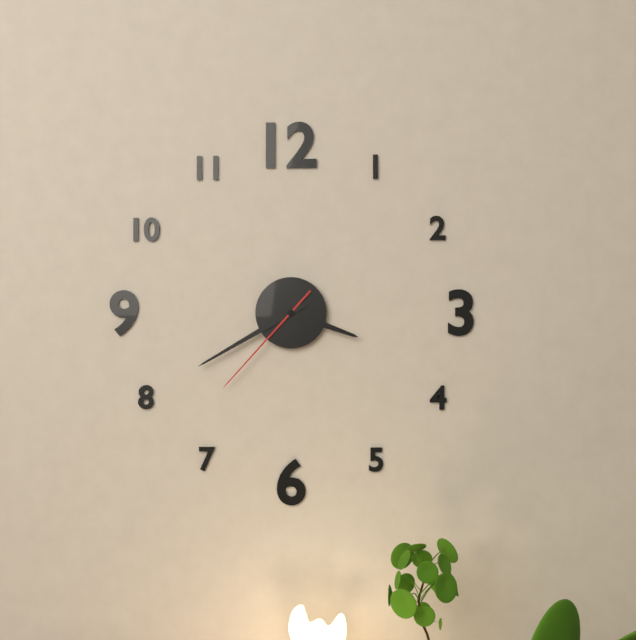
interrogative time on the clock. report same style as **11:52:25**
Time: **3:40:37**
